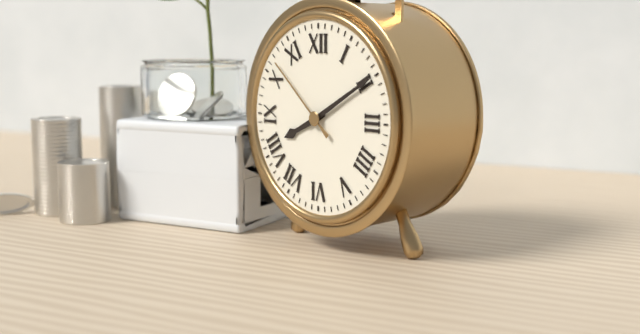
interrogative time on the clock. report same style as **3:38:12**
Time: **8:10:52**
